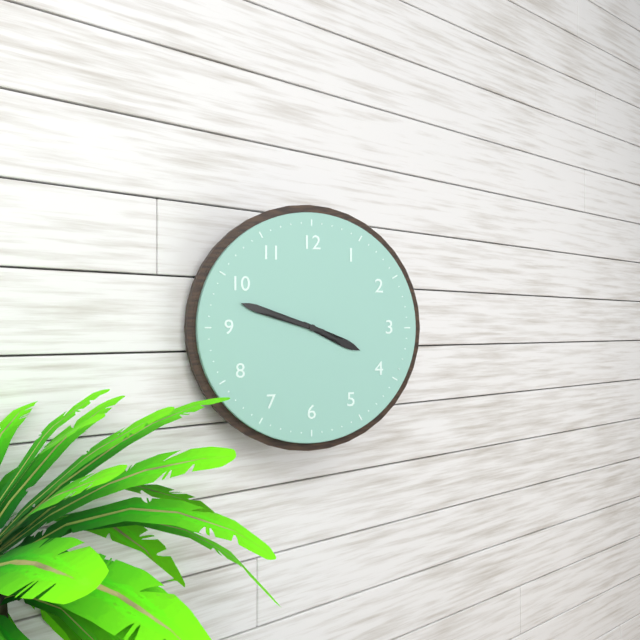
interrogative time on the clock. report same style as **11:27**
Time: **3:48**
